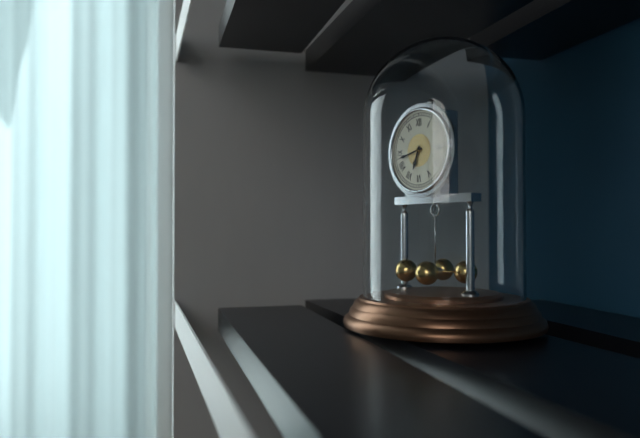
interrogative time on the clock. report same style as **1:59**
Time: **6:43**
